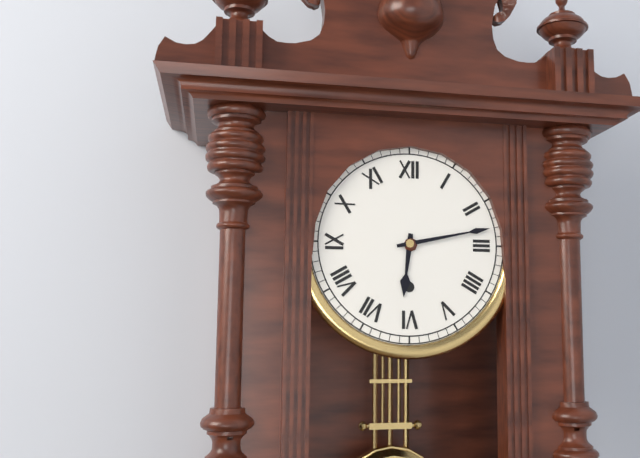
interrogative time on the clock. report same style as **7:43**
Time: **6:13**
